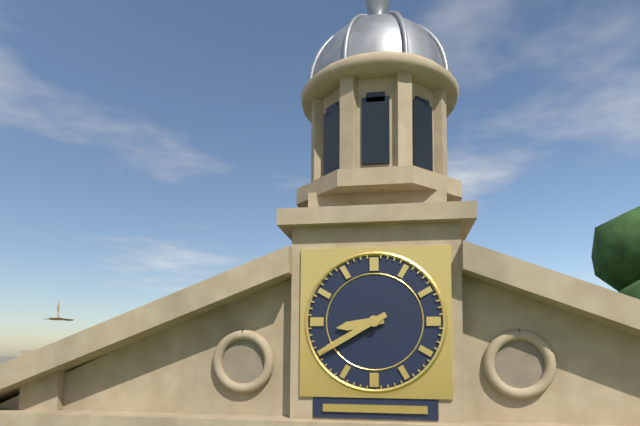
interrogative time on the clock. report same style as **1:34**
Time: **8:40**
